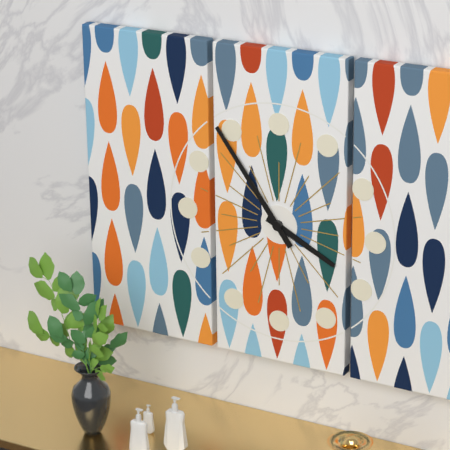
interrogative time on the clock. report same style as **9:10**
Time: **3:54**
